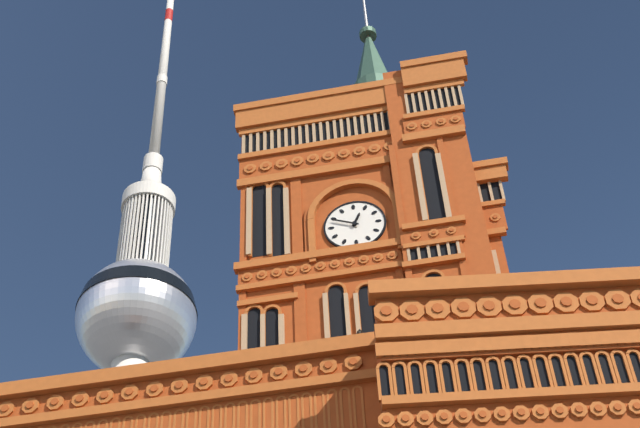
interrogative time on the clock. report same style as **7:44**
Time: **12:49**
